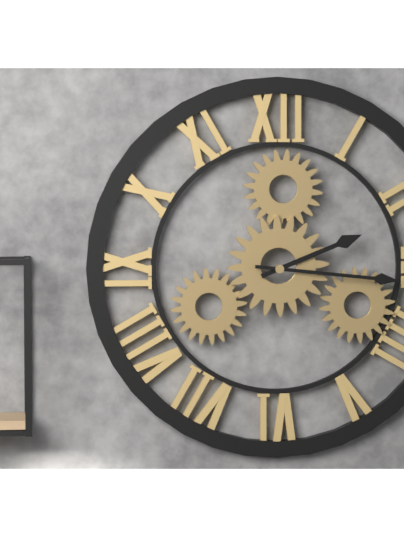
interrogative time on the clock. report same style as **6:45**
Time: **2:16**
